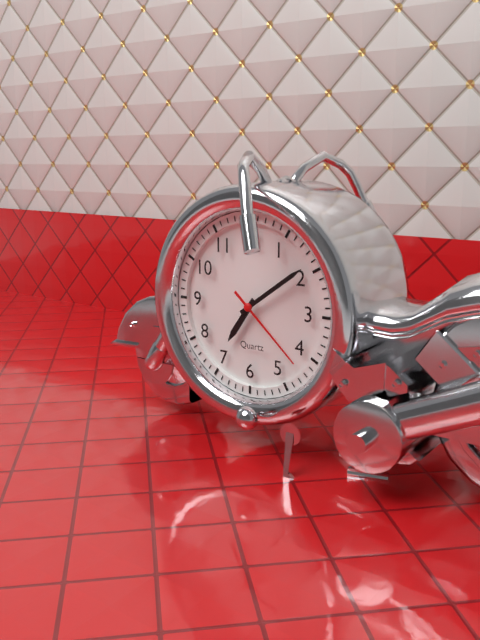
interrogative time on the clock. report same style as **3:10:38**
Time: **7:09:22**
